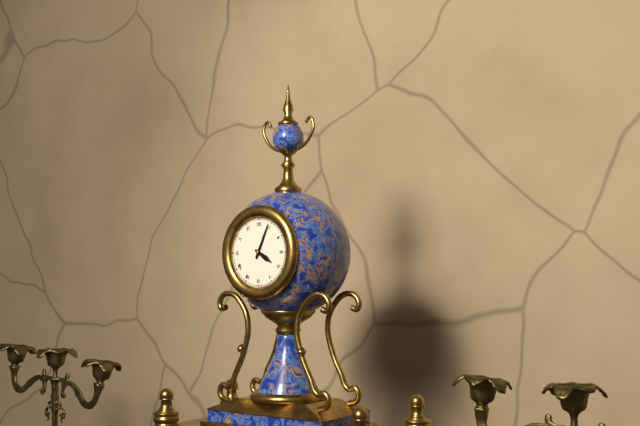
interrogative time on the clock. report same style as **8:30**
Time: **4:04**
